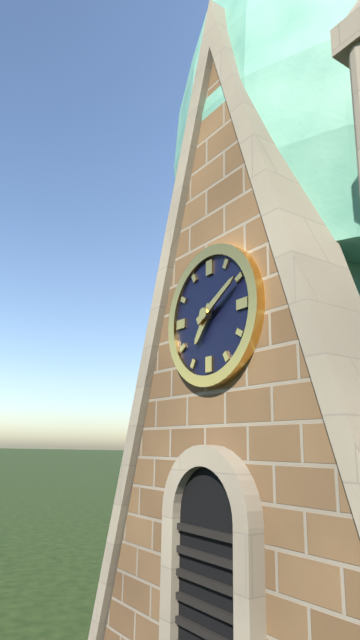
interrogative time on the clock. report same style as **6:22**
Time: **7:10**
